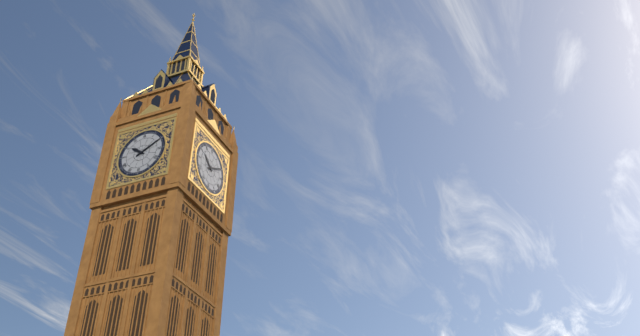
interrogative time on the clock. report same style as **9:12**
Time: **10:10**
